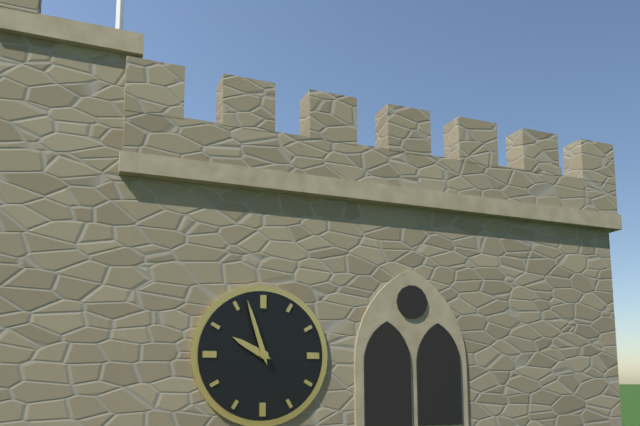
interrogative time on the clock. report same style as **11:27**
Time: **9:57**
